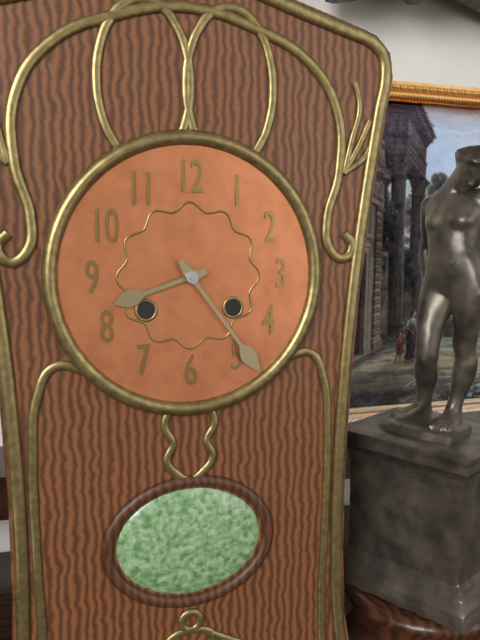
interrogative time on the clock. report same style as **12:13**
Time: **8:24**
